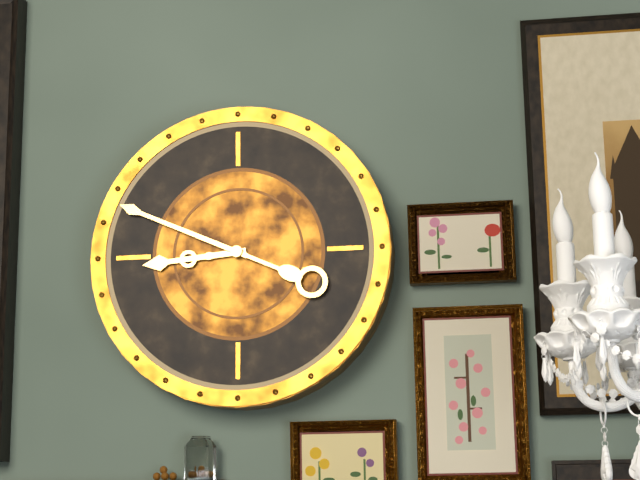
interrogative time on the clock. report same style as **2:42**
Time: **8:49**
